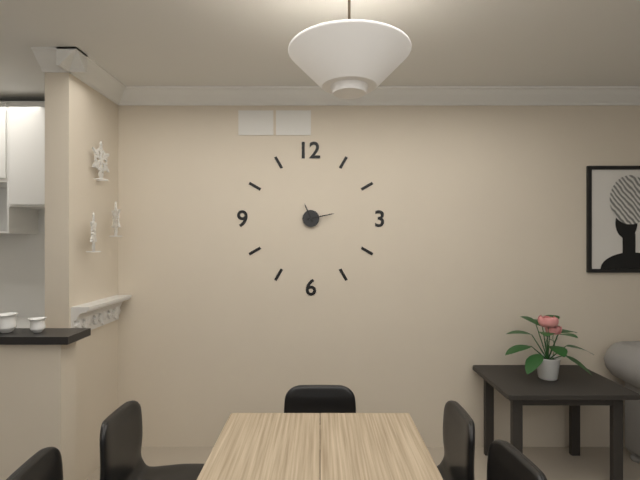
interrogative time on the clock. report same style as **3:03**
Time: **11:13**
